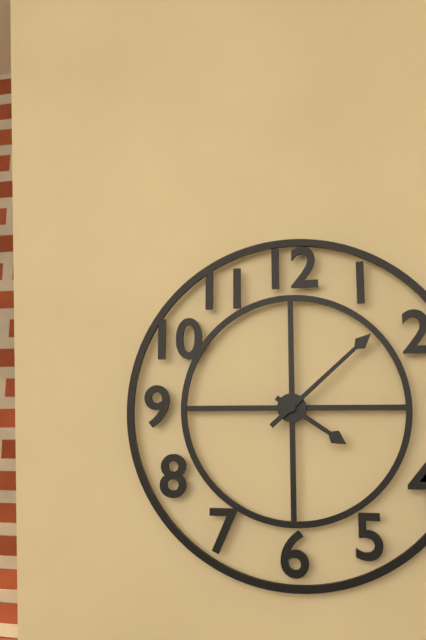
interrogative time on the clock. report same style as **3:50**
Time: **4:08**
